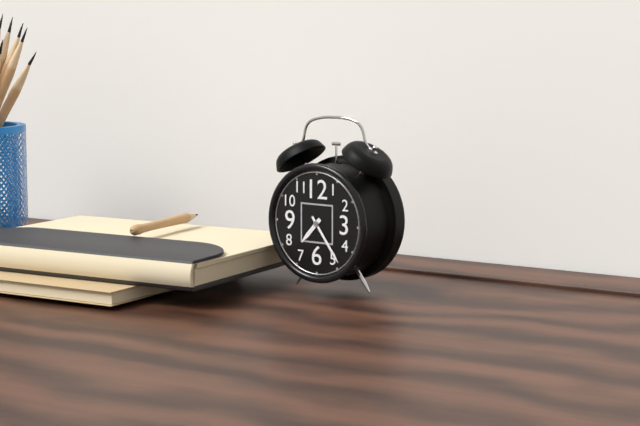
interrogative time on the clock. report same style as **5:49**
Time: **7:24**
